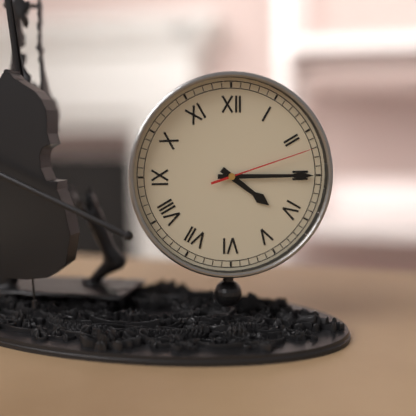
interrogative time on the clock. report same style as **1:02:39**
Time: **4:15:12**
